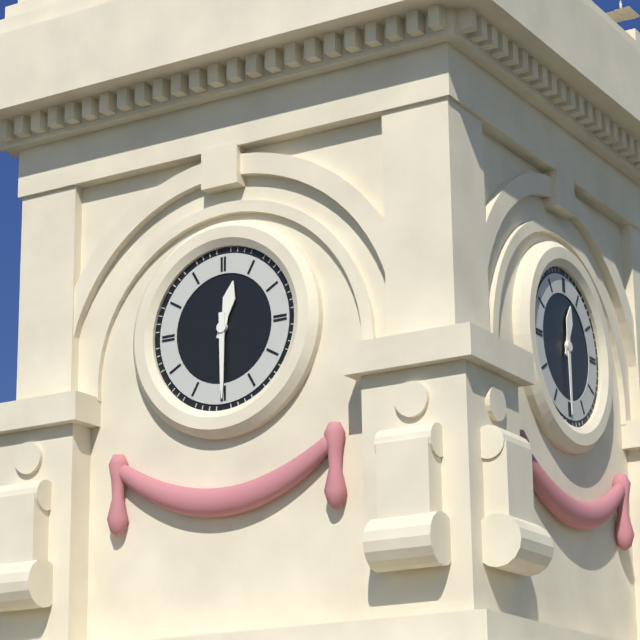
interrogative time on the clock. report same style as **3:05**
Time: **12:30**
